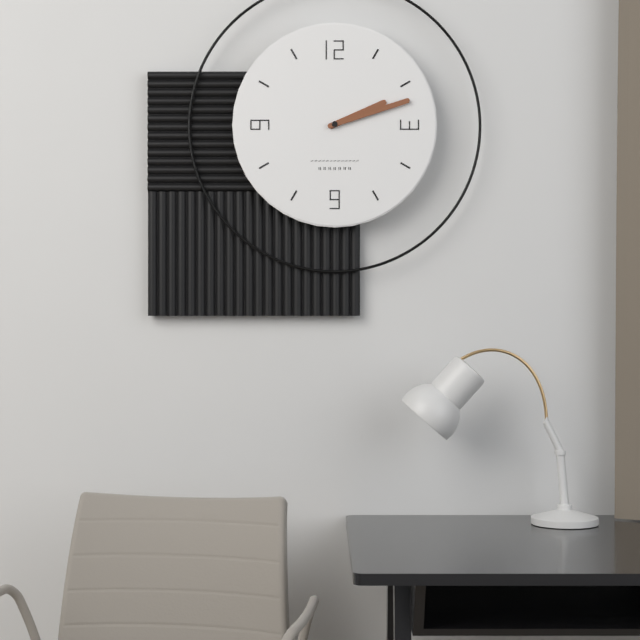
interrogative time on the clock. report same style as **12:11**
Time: **2:12**
